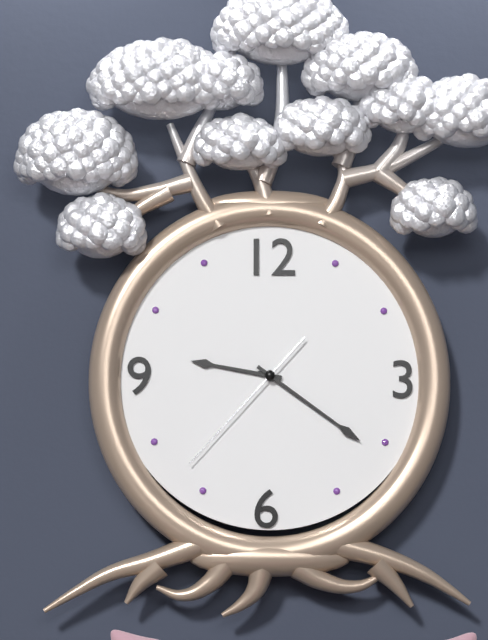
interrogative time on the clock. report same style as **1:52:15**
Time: **9:21:37**
